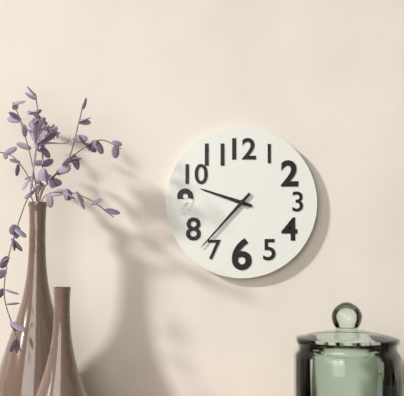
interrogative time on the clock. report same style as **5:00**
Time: **9:37**
